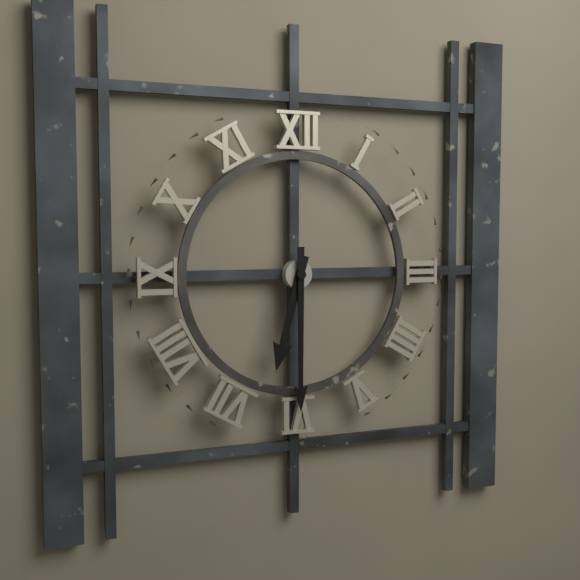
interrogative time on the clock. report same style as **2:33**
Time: **6:30**
